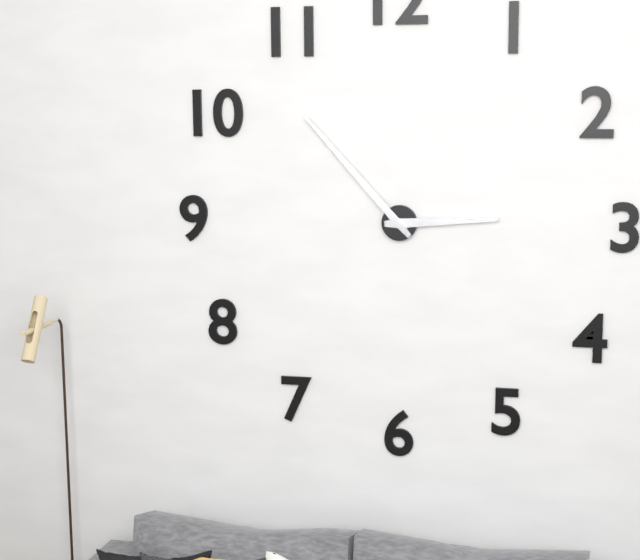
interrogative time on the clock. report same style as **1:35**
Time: **2:53**
